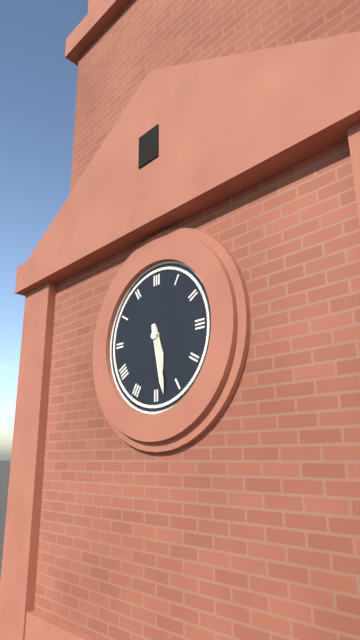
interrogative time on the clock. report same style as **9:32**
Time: **5:28**
